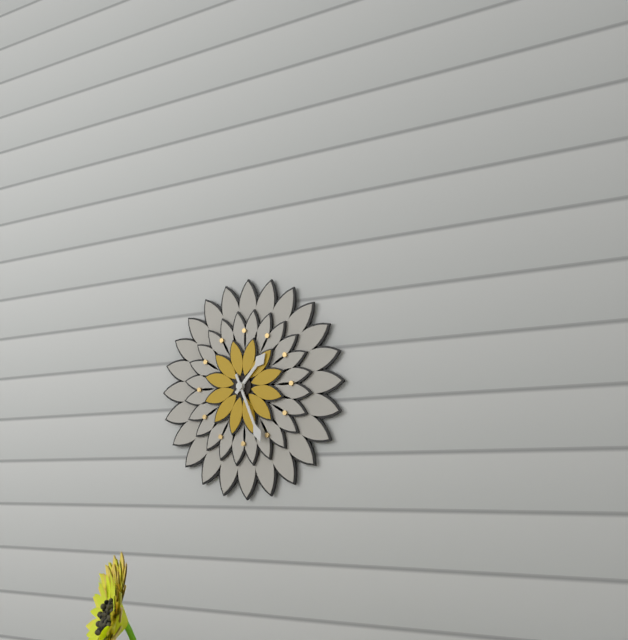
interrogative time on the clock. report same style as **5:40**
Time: **1:26**
